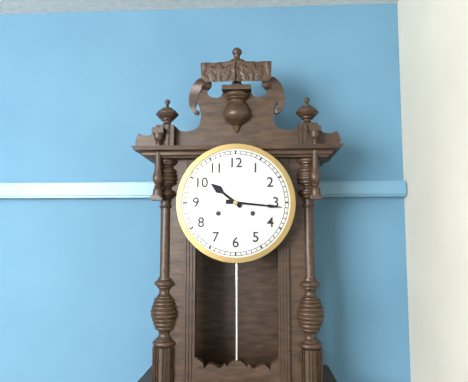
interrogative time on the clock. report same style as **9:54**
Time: **10:16**
